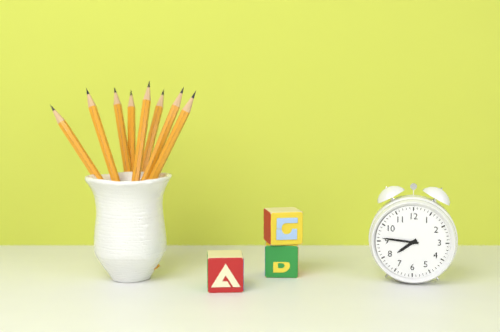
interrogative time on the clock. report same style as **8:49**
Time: **7:46**
